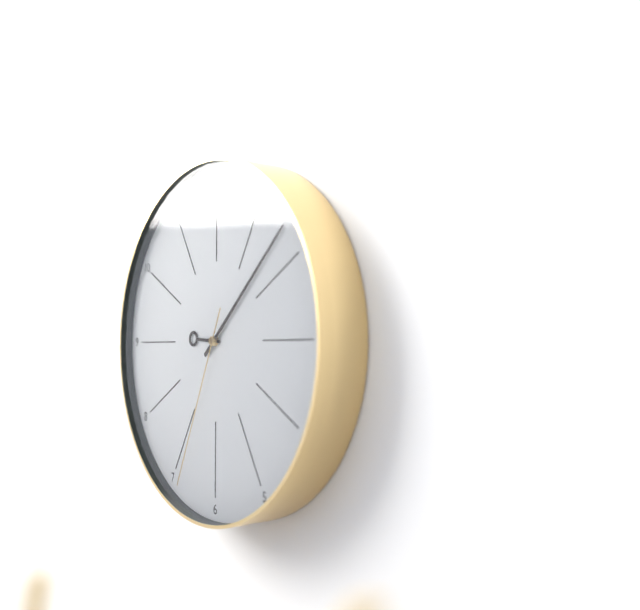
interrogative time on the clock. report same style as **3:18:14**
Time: **9:08:34**
